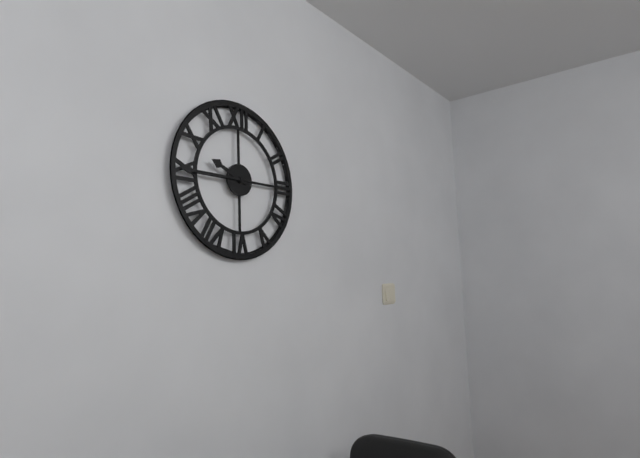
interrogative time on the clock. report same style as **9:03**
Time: **9:45**
